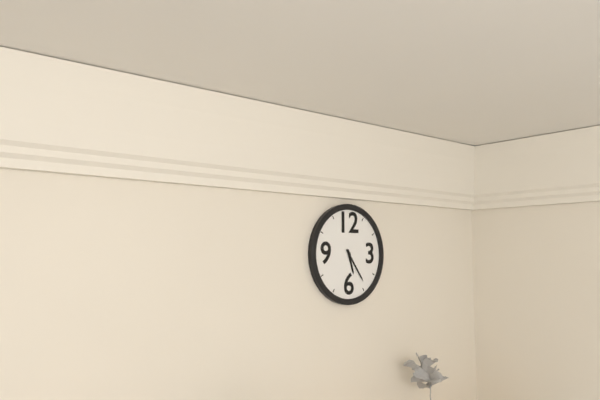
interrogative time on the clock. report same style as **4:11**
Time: **5:24**
